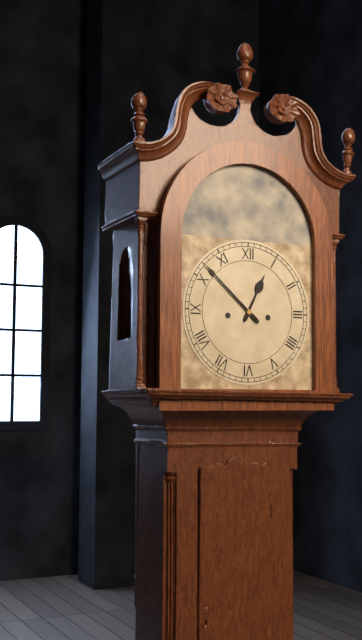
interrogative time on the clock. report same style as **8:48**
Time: **12:52**
